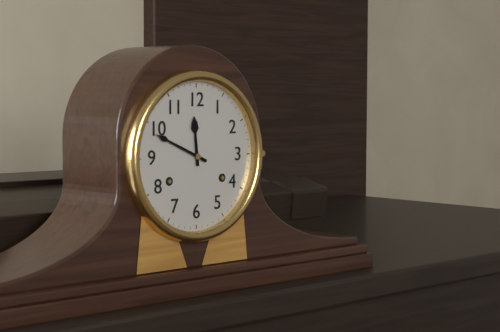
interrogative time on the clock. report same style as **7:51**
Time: **11:49**
